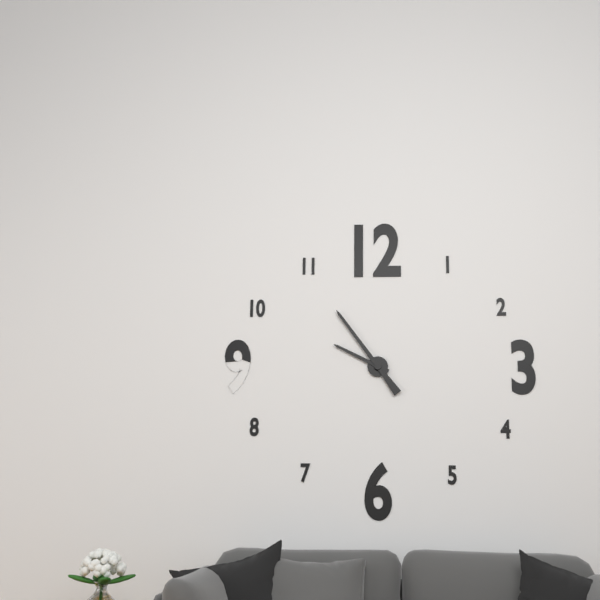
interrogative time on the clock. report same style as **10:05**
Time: **9:54**
